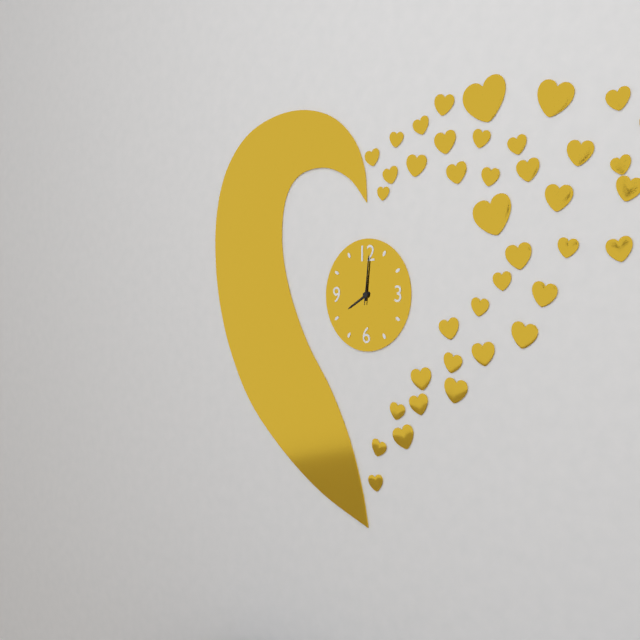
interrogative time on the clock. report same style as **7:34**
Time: **8:01**
